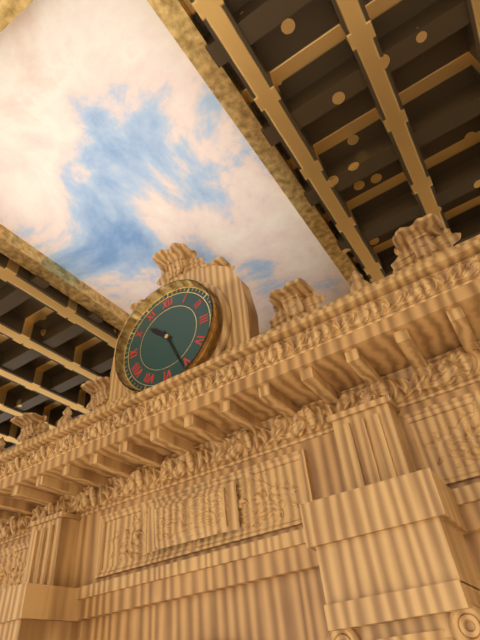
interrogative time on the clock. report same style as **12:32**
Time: **10:26**
